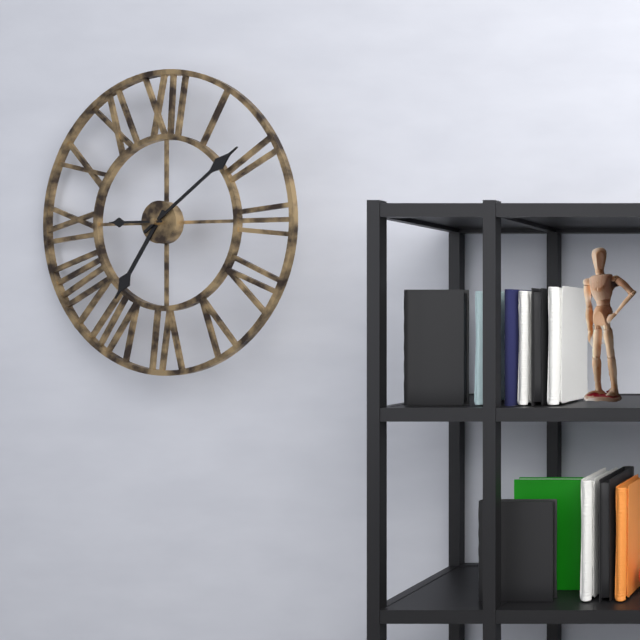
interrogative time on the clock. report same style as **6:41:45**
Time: **7:09:45**
